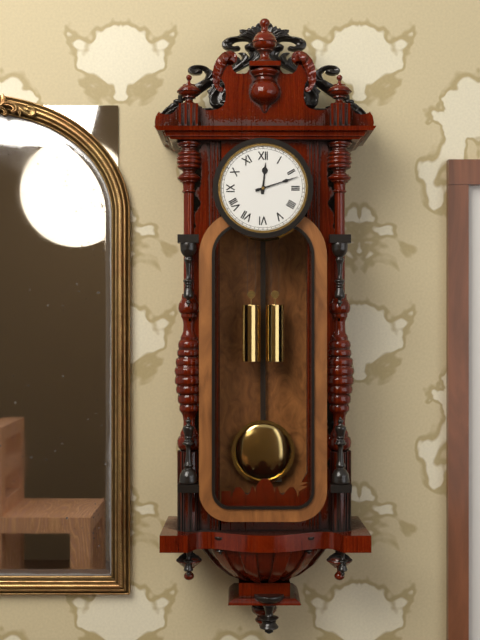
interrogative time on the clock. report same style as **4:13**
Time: **12:12**
